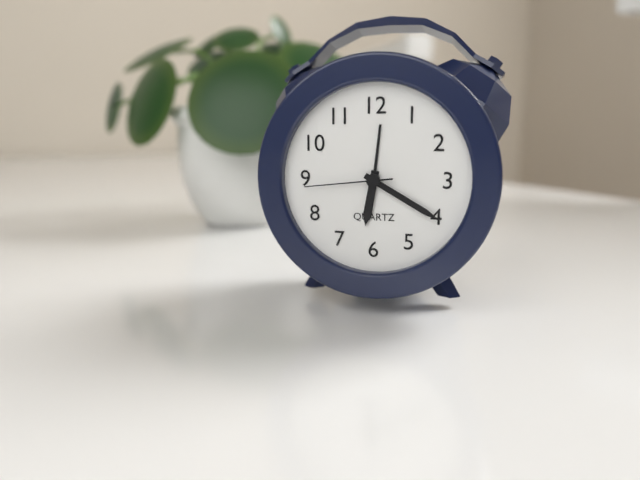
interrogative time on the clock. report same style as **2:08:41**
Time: **6:20:44**
